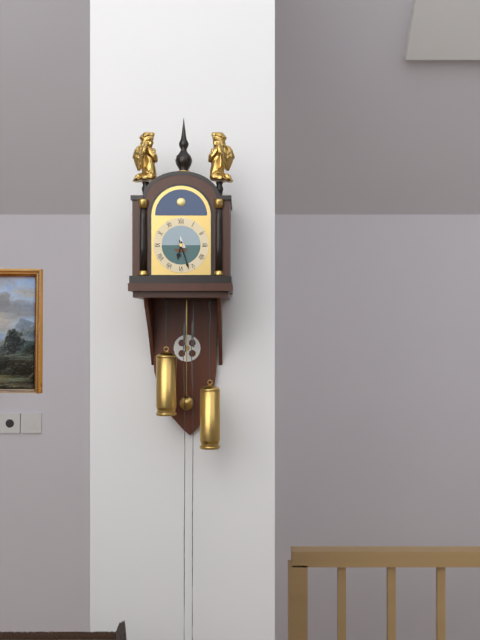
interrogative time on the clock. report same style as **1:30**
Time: **6:27**
